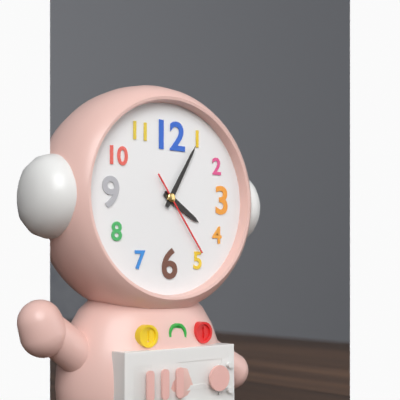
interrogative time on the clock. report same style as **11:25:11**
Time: **4:05:24**
